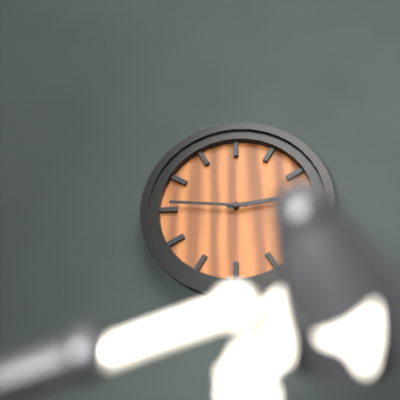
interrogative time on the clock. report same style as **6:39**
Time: **2:46**
